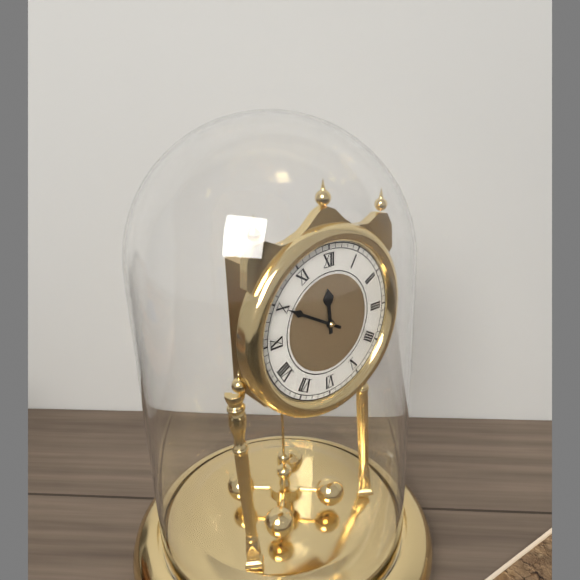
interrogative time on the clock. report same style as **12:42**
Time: **11:50**
